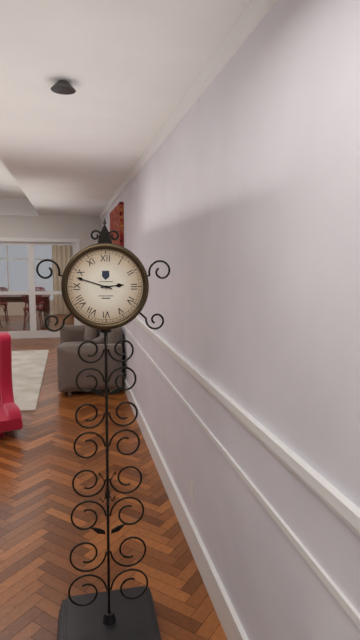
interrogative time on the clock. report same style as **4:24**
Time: **2:48**
